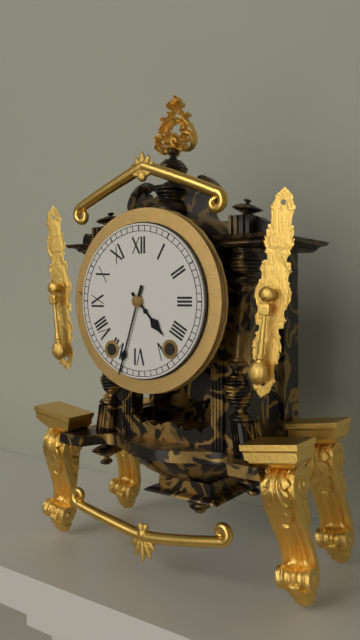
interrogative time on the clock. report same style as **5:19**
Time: **4:33**
